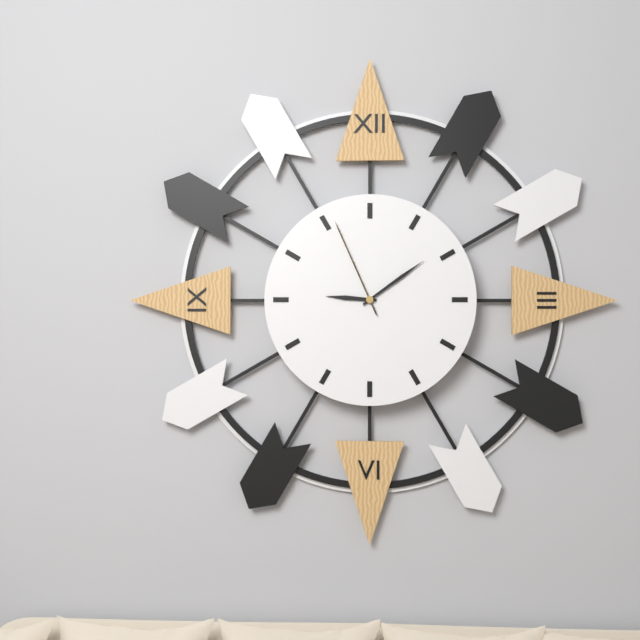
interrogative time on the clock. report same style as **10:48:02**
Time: **9:09:56**
